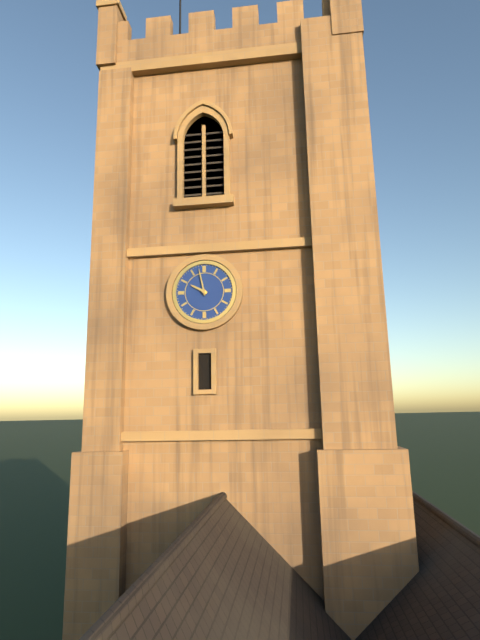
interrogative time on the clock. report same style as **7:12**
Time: **9:58**
